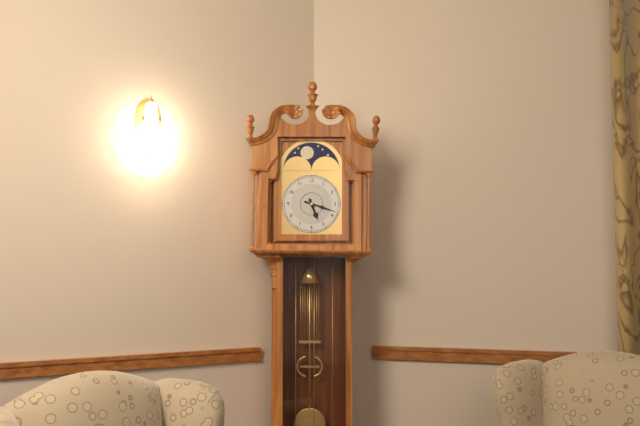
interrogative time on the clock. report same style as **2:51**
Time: **5:18**
